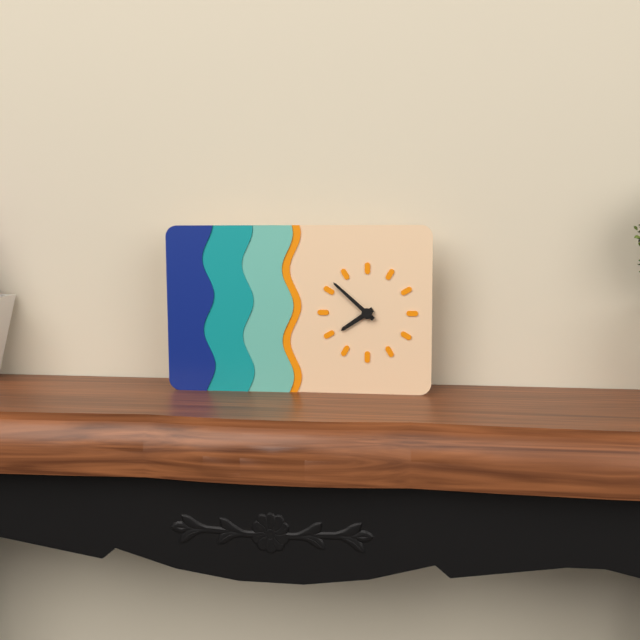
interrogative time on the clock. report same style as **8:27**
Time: **7:52**
